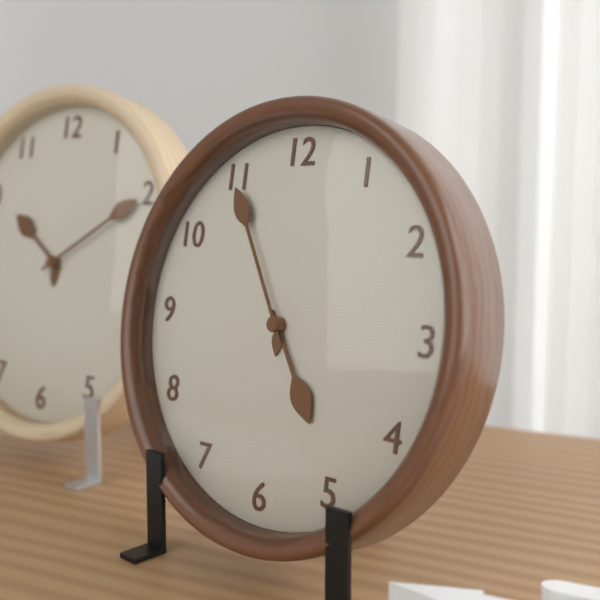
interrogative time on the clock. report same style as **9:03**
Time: **4:55**
